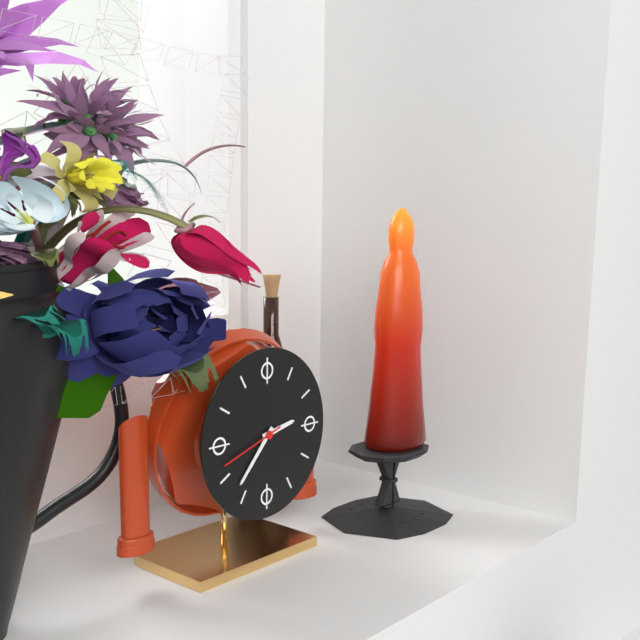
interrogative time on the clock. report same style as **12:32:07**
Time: **2:37:42**
